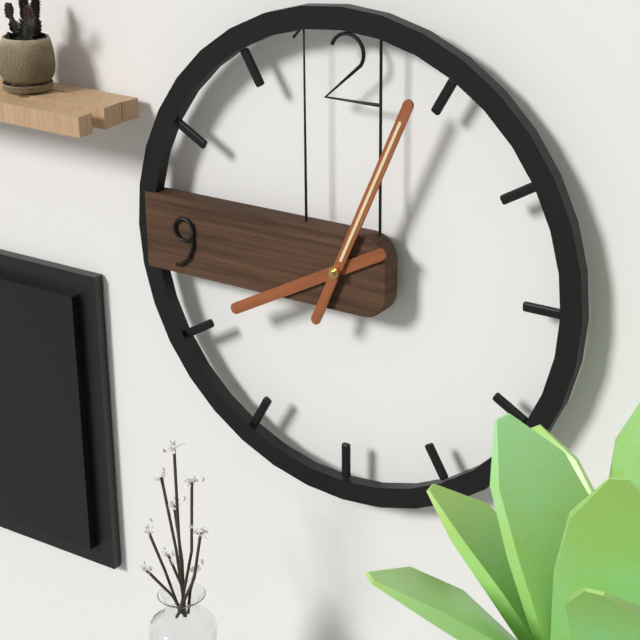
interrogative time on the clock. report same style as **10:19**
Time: **8:04**
